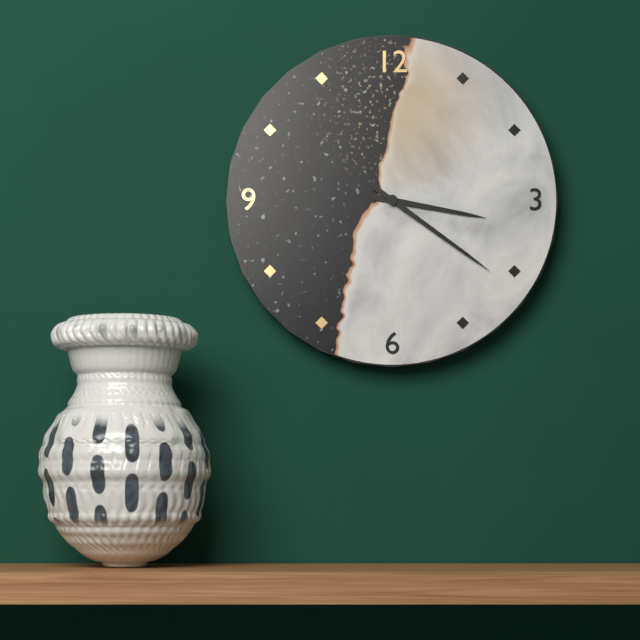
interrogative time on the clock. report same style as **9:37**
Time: **3:21**
